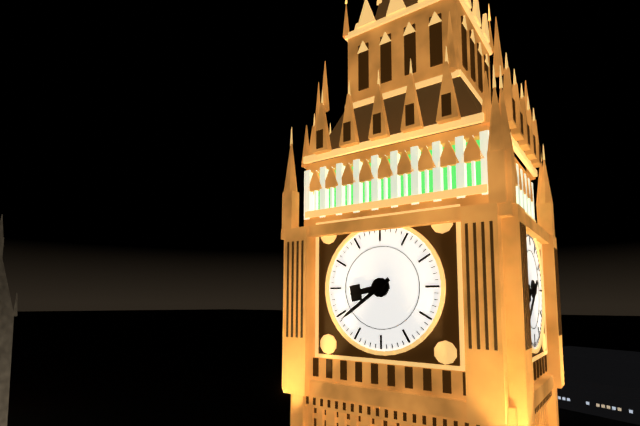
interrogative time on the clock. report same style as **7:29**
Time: **8:39**
